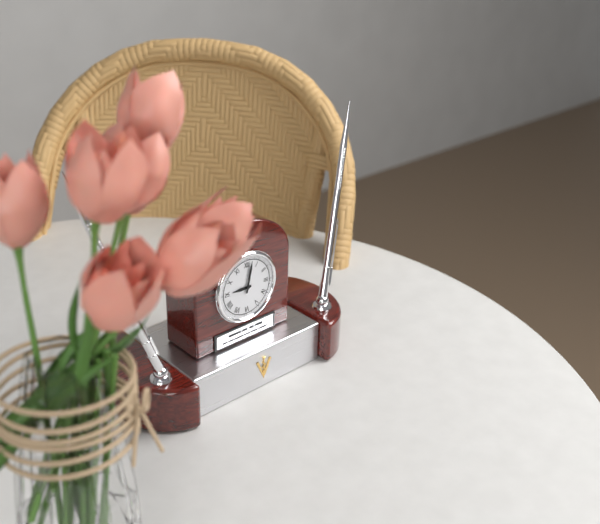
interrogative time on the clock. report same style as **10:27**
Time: **9:02**
